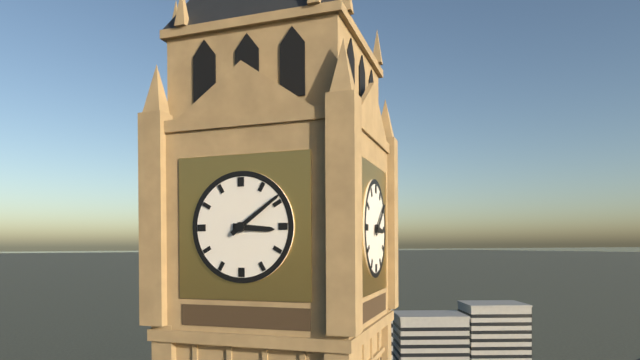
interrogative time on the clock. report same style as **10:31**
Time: **3:09**
